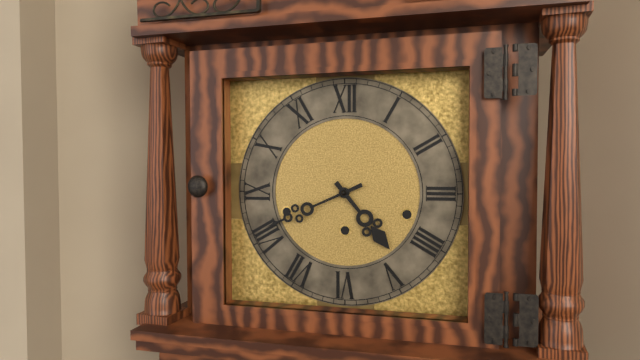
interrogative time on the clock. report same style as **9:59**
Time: **4:41**
